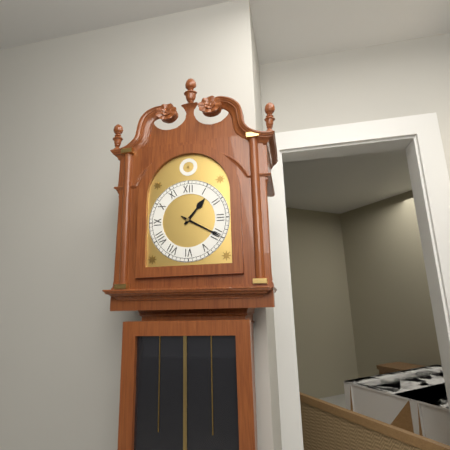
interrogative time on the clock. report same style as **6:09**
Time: **1:20**
